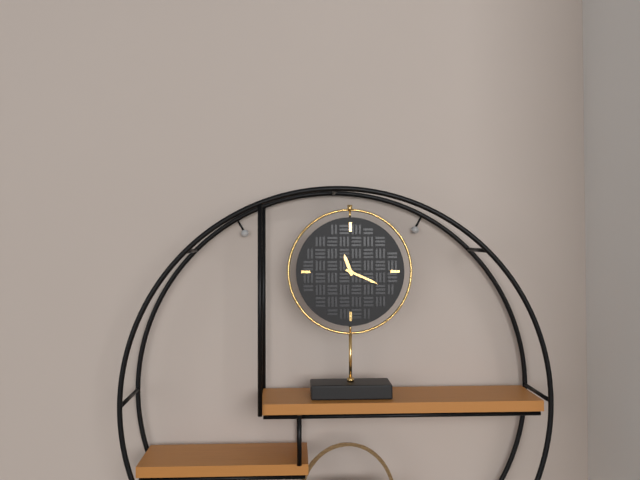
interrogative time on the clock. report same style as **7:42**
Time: **11:19**
